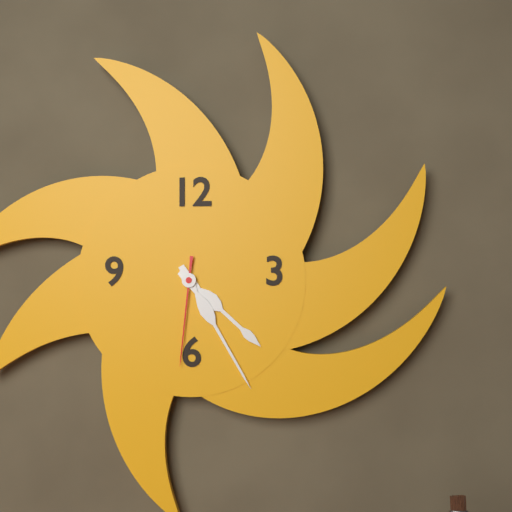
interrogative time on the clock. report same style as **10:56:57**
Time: **4:25:31**
